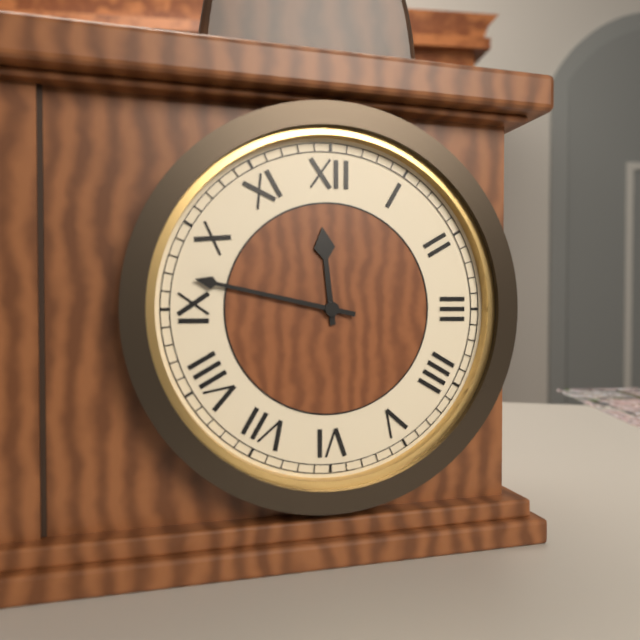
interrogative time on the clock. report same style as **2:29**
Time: **11:47**
